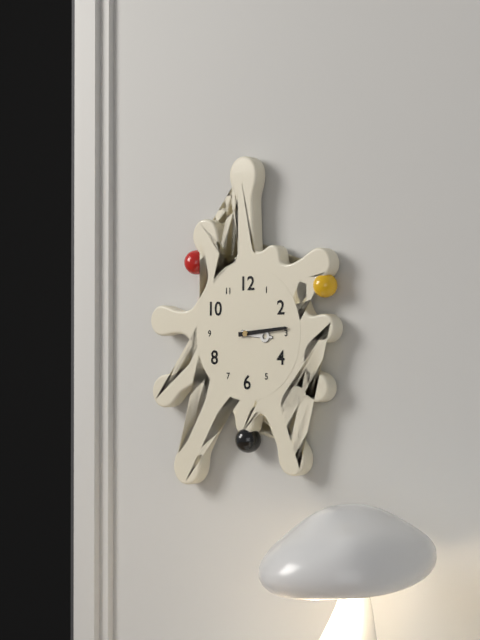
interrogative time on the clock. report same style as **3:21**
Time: **3:14**
